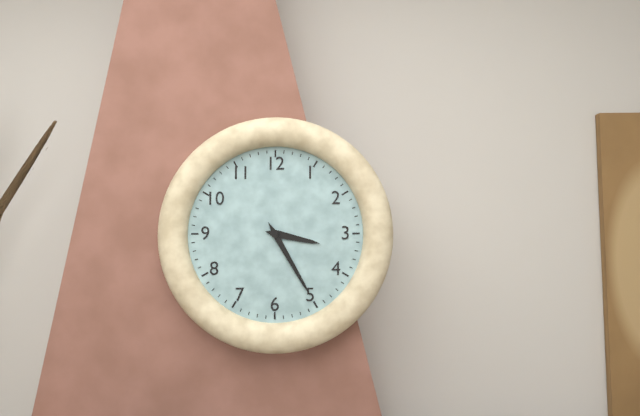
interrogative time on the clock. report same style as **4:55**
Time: **3:25**
